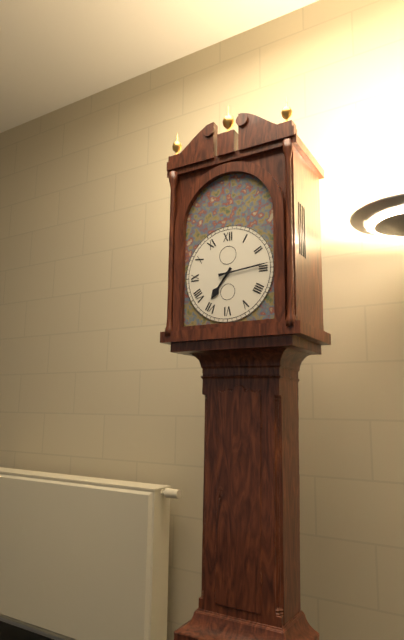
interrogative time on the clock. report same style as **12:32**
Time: **7:14**
